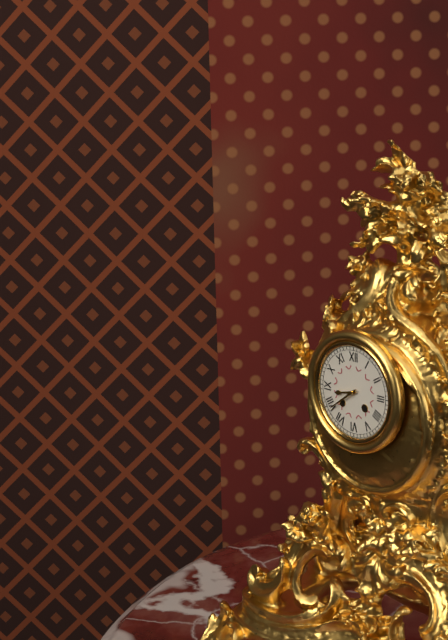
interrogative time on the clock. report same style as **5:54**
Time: **8:39**
